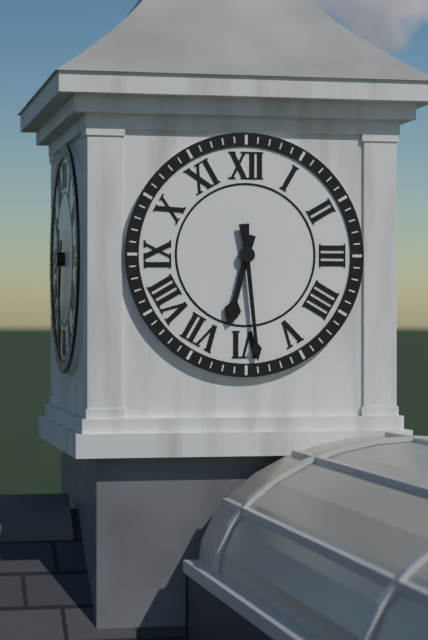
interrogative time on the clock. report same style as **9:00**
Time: **6:29**
